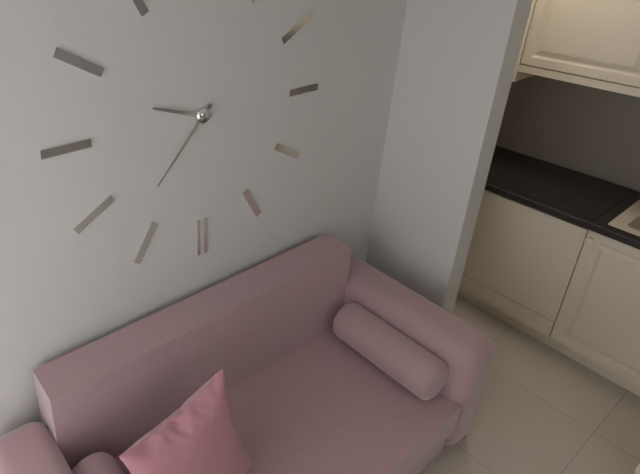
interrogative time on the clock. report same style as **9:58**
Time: **9:37**
